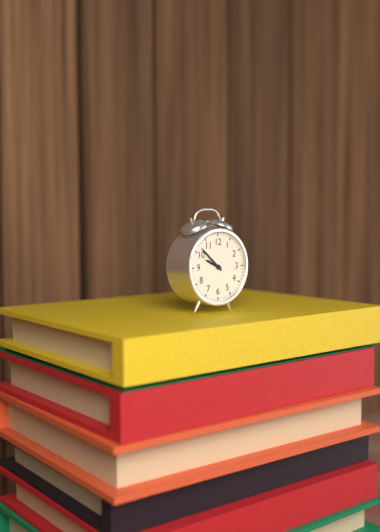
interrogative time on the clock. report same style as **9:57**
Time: **9:52**
